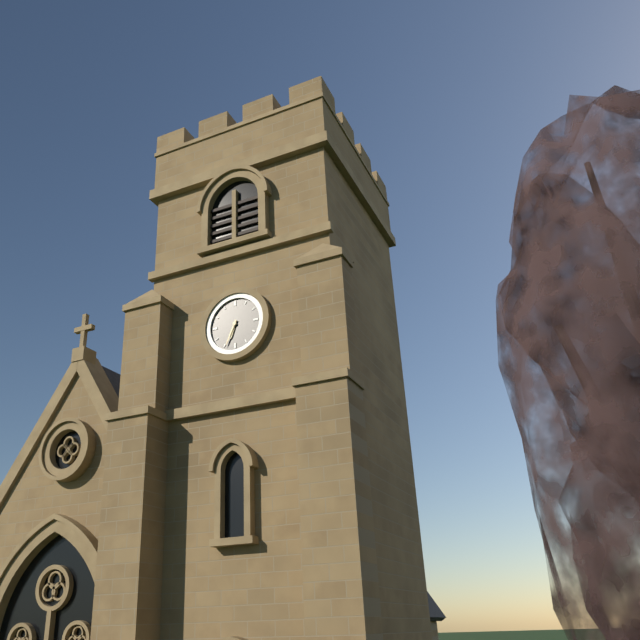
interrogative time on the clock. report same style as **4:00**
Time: **6:34**
